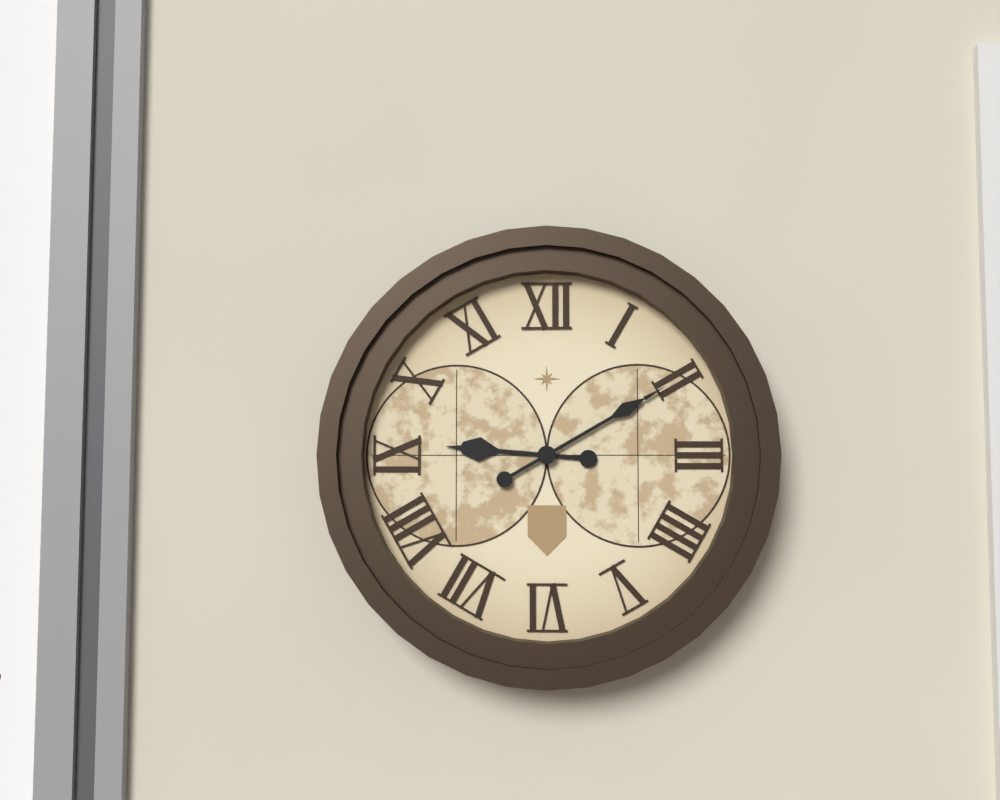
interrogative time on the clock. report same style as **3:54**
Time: **9:10**
